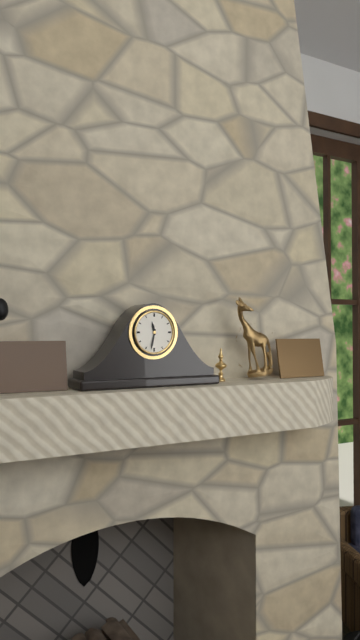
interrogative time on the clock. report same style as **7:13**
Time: **11:32**
